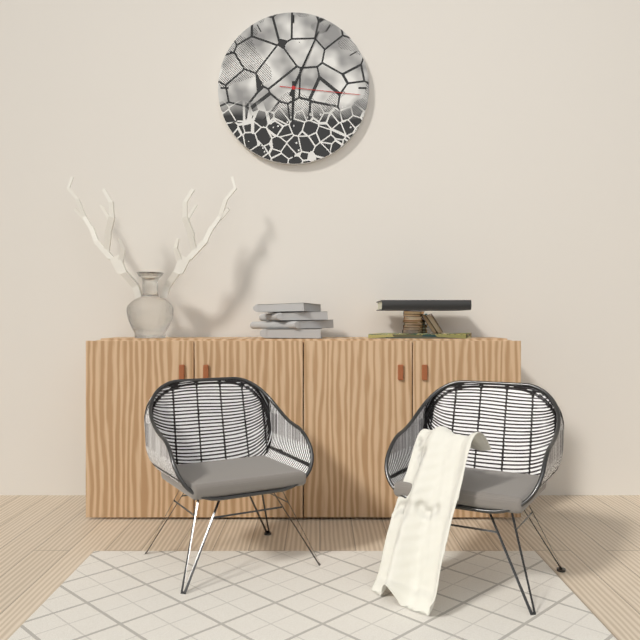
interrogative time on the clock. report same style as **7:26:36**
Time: **6:04:16**
